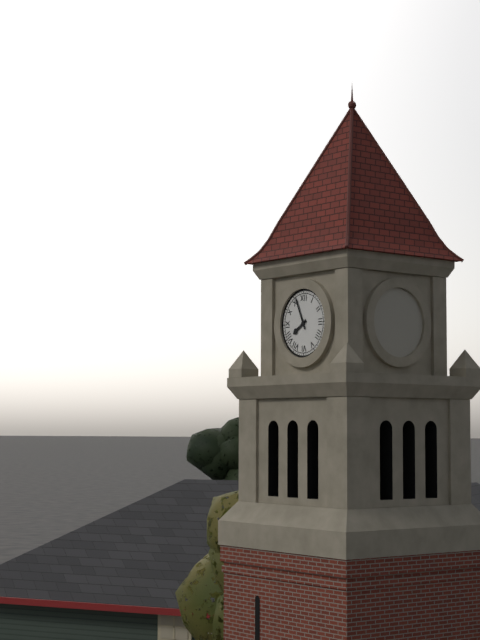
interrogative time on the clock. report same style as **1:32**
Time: **7:56**
